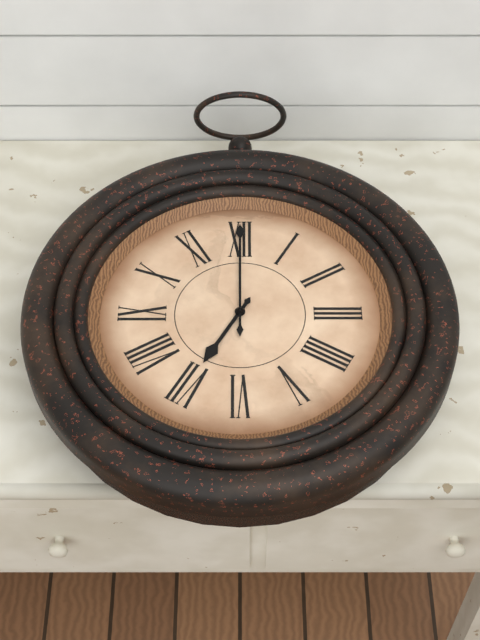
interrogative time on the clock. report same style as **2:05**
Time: **7:00**
